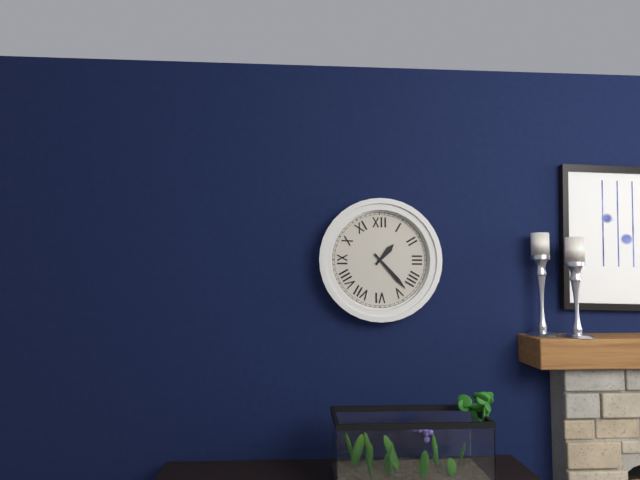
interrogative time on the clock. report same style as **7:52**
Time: **1:23**
